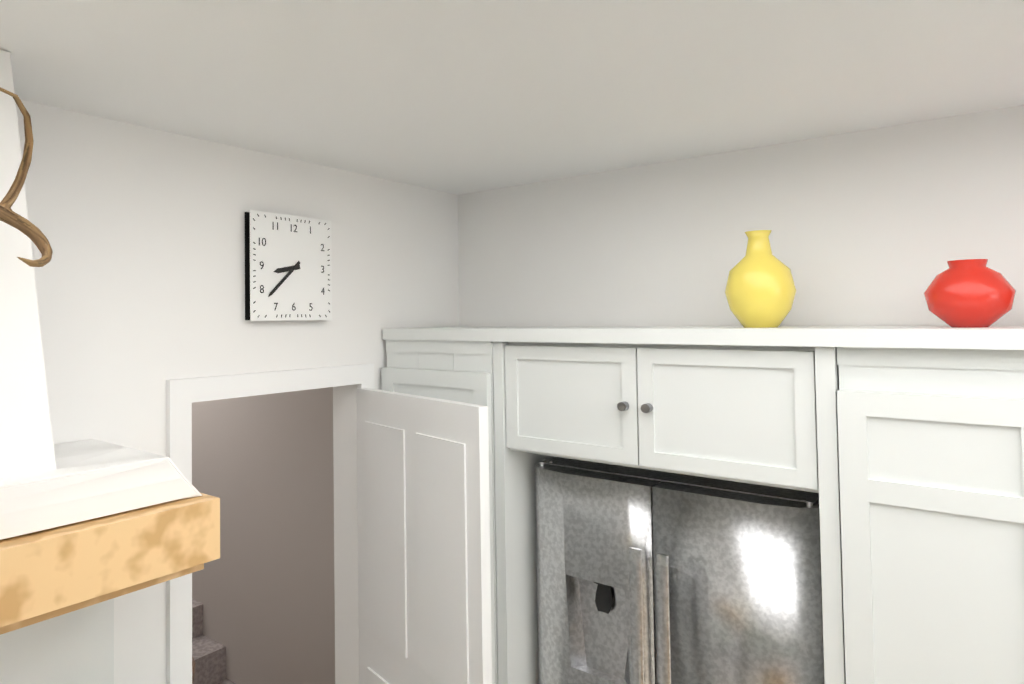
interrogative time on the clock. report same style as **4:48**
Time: **8:38**
